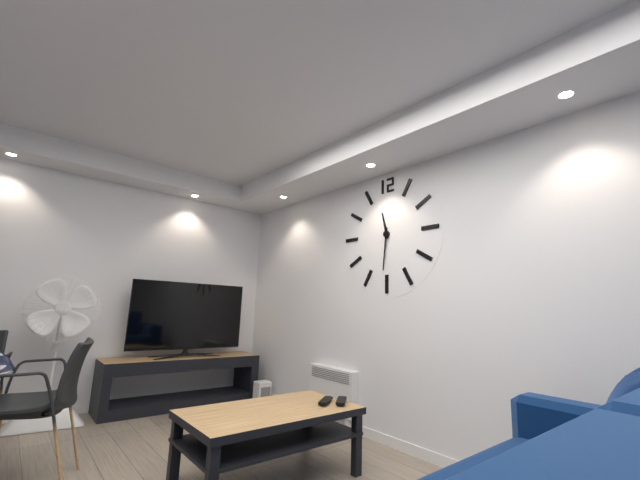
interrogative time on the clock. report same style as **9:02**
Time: **11:31**
